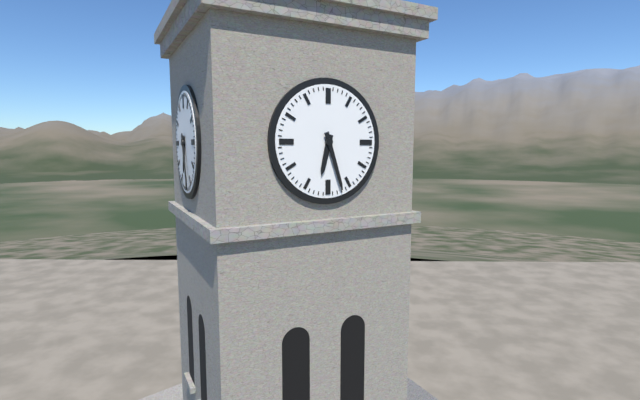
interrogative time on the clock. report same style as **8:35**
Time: **6:27**
